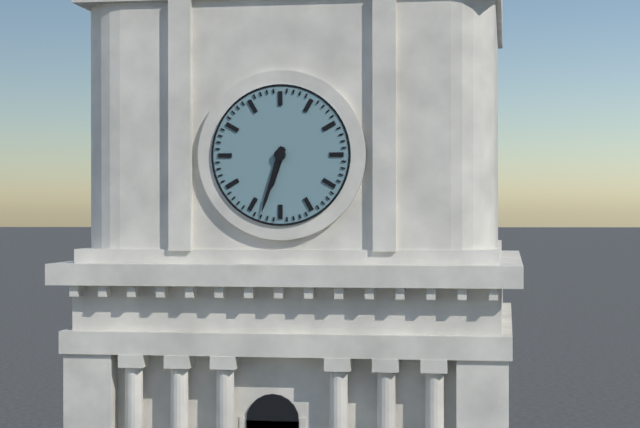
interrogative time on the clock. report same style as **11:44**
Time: **6:33**
